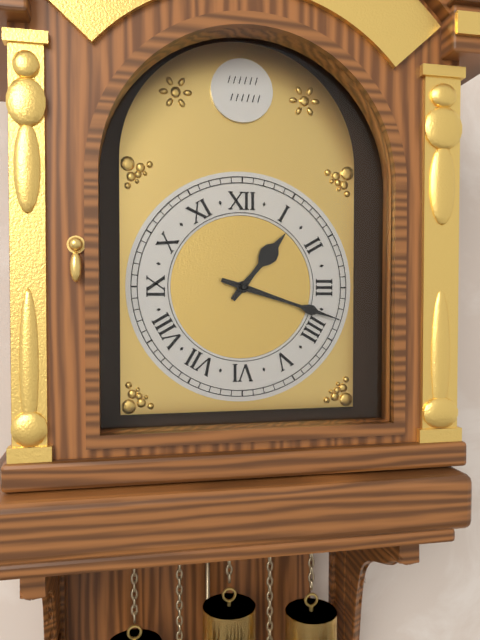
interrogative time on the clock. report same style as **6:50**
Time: **1:18**
